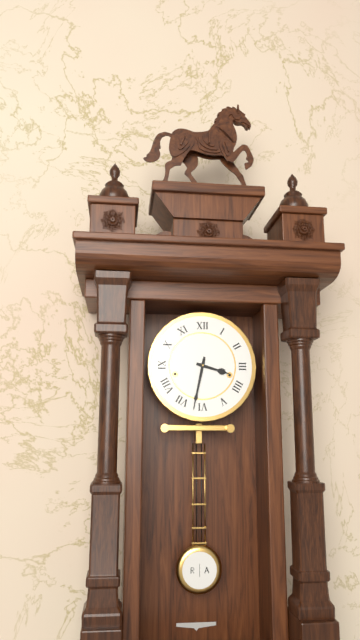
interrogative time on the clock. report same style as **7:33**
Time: **3:32**
